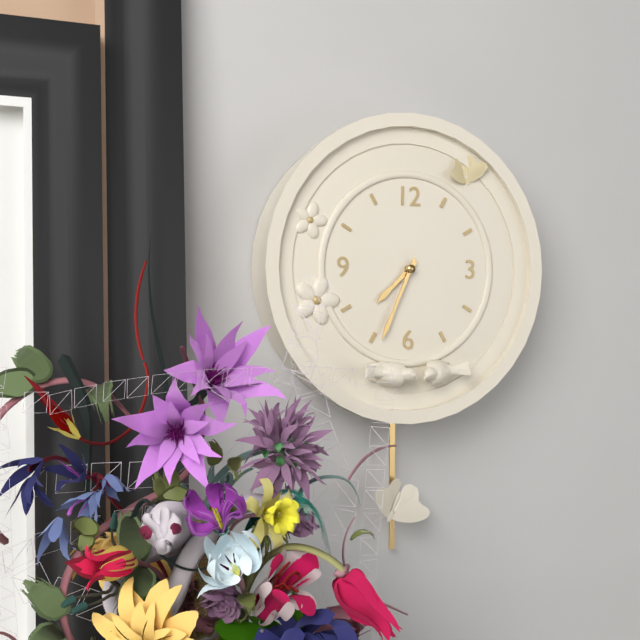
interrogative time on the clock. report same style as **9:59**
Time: **7:34**
